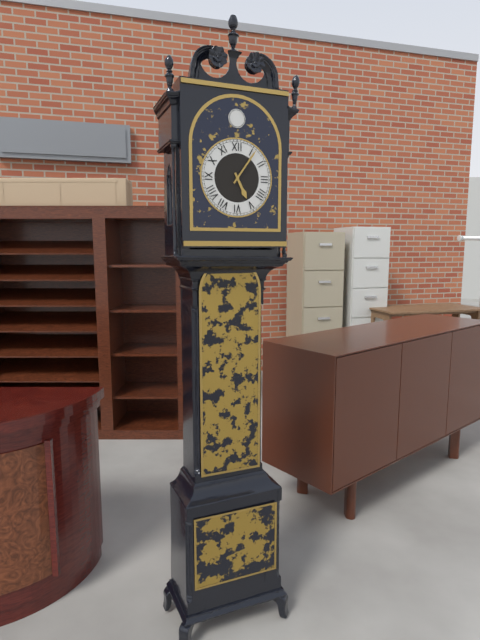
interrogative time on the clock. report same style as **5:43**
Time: **5:06**
